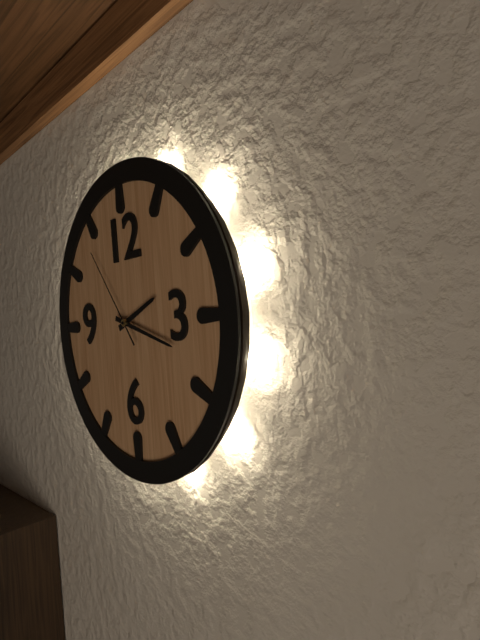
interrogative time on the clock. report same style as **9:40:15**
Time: **2:18:54**
